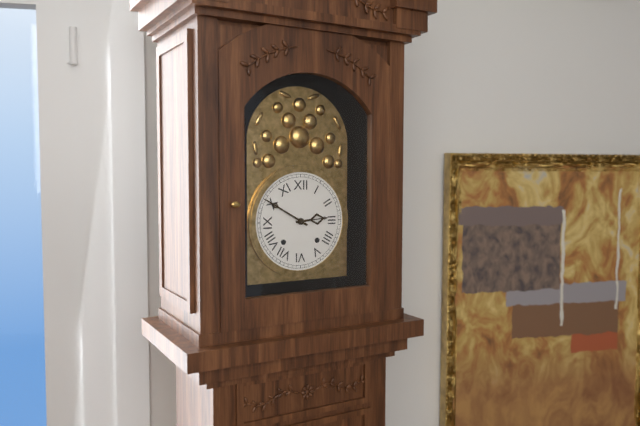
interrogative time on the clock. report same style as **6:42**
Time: **2:50**
